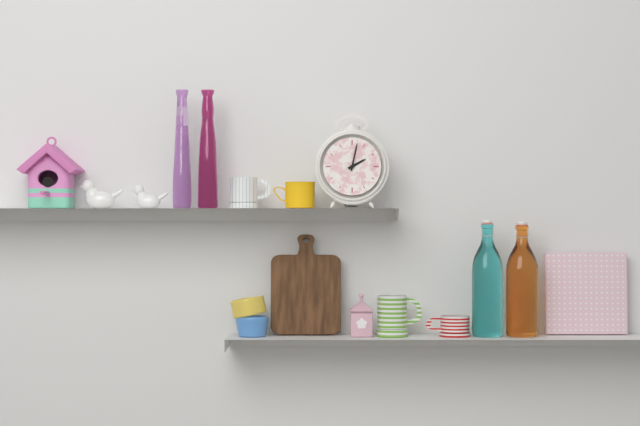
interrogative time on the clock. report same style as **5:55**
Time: **2:02**
